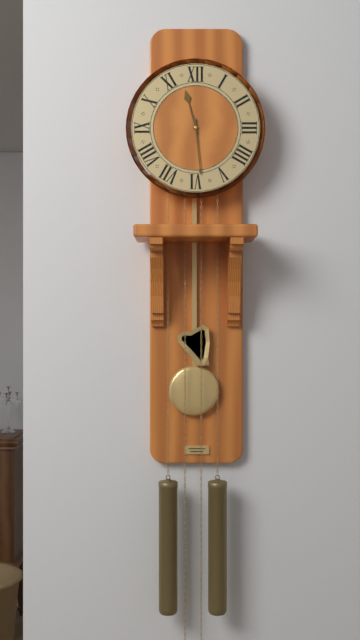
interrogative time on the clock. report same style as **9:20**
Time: **11:29**
